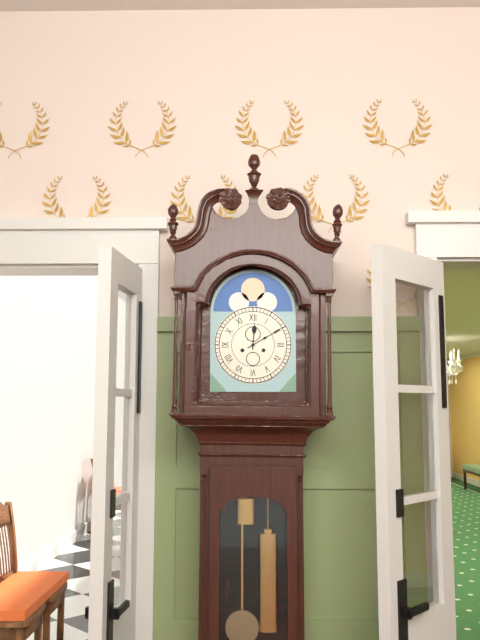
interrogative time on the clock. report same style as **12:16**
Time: **12:10**
